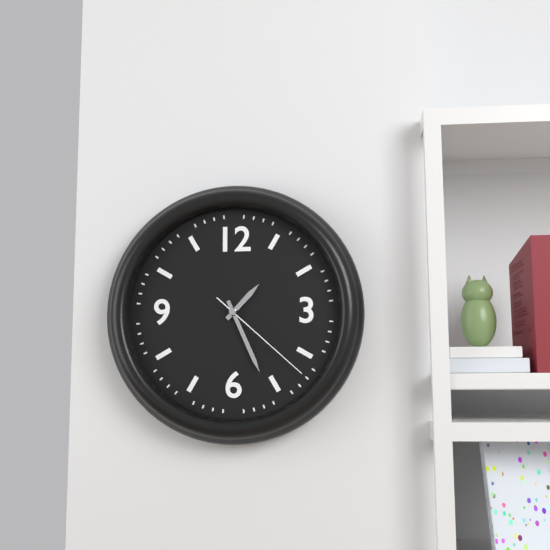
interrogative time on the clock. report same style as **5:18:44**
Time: **1:26:22**
